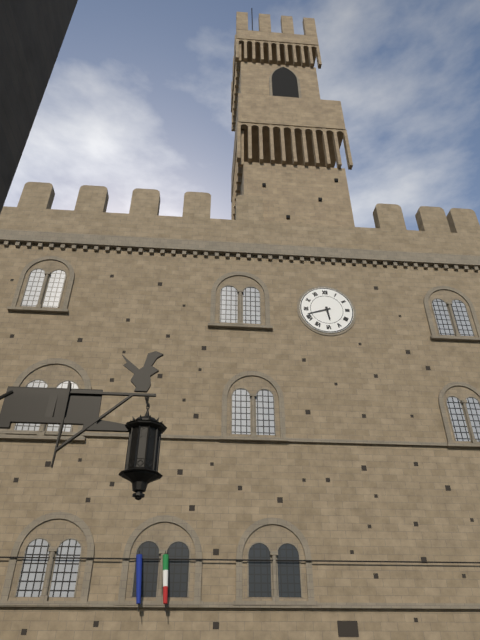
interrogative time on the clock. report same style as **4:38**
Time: **5:42**
